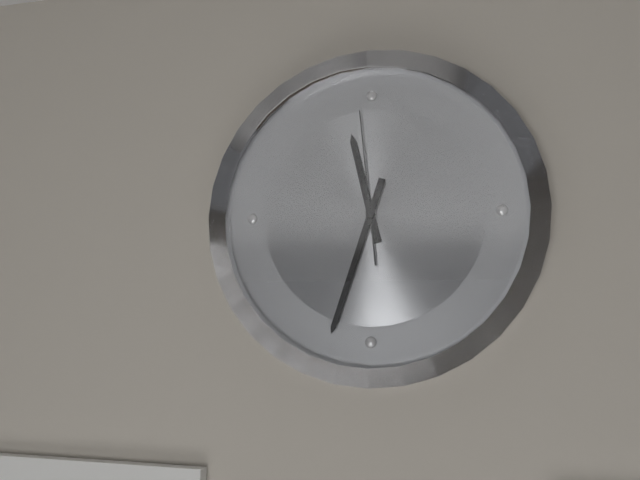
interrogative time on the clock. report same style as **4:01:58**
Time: **11:33:59**
